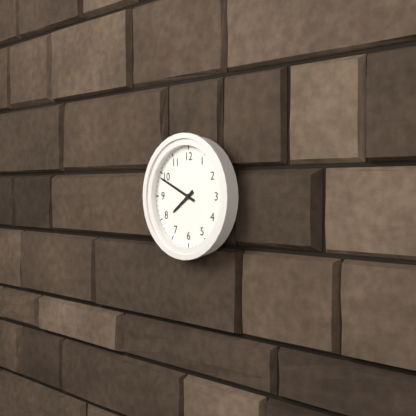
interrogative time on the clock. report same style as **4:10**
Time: **7:49**
